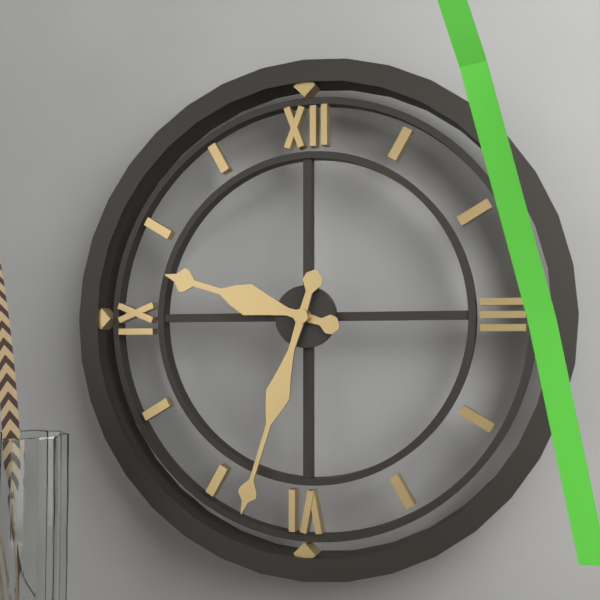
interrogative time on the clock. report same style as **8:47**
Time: **9:33**
